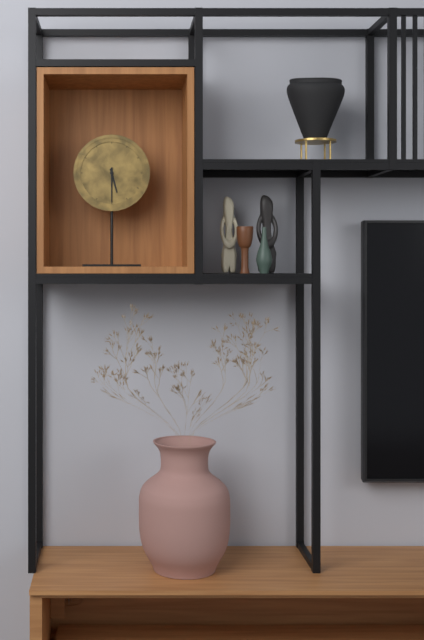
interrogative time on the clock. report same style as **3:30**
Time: **5:30**
